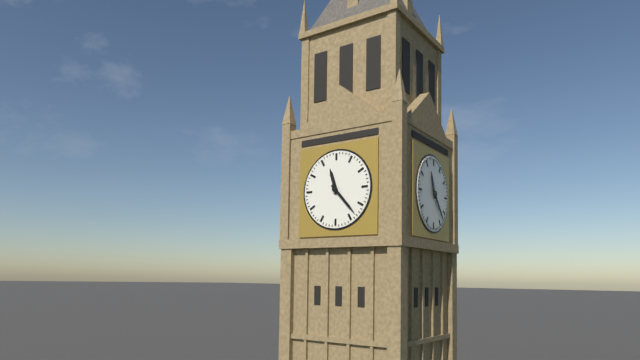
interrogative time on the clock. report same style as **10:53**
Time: **11:23**
